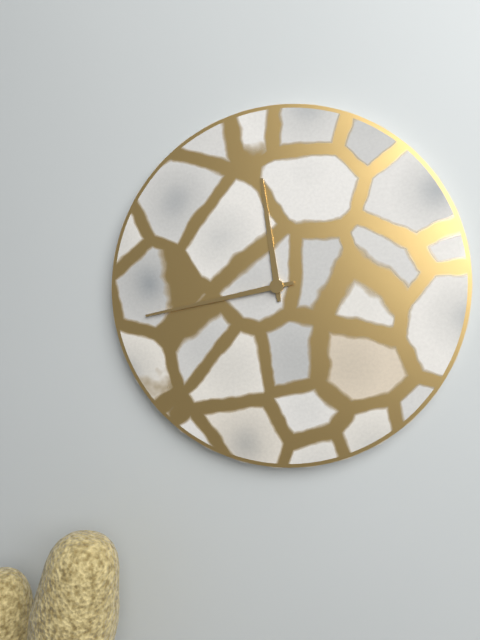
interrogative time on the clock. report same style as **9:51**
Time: **11:43**
